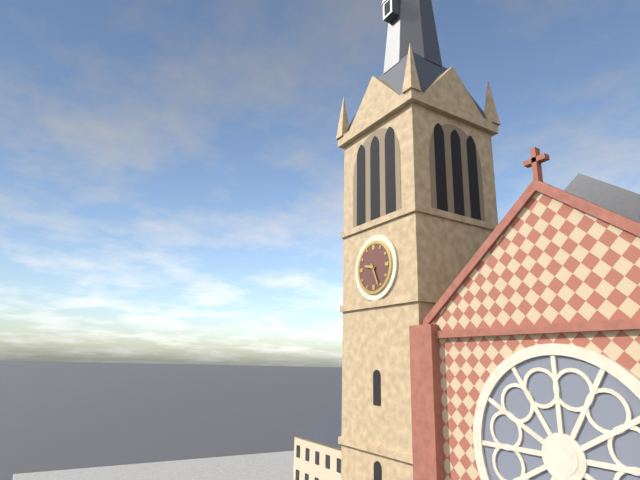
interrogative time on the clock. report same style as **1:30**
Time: **9:26**
